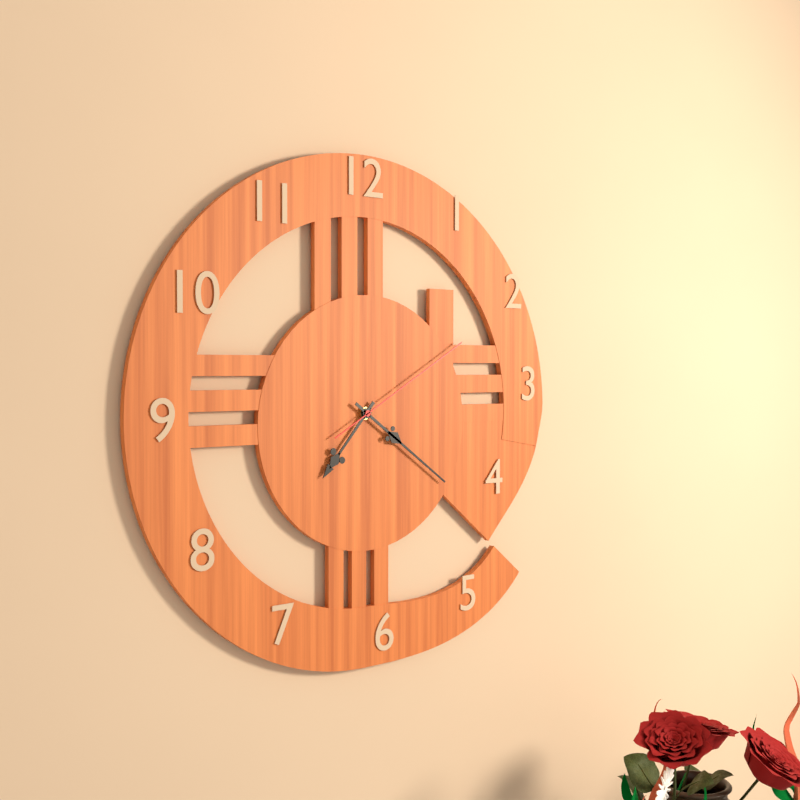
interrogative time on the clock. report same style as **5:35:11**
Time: **7:21:10**
